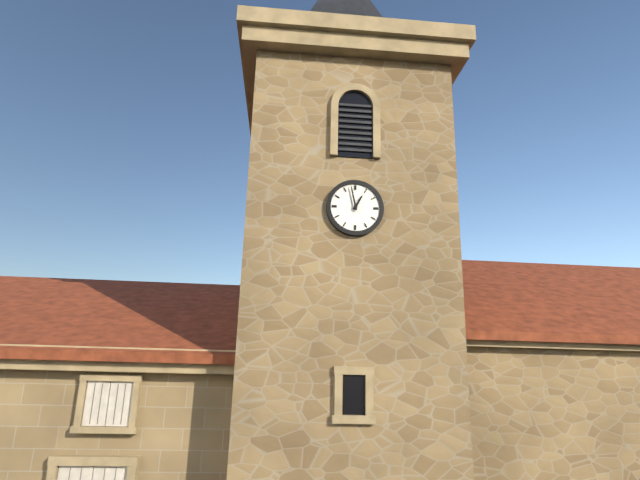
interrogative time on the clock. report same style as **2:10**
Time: **12:58**
